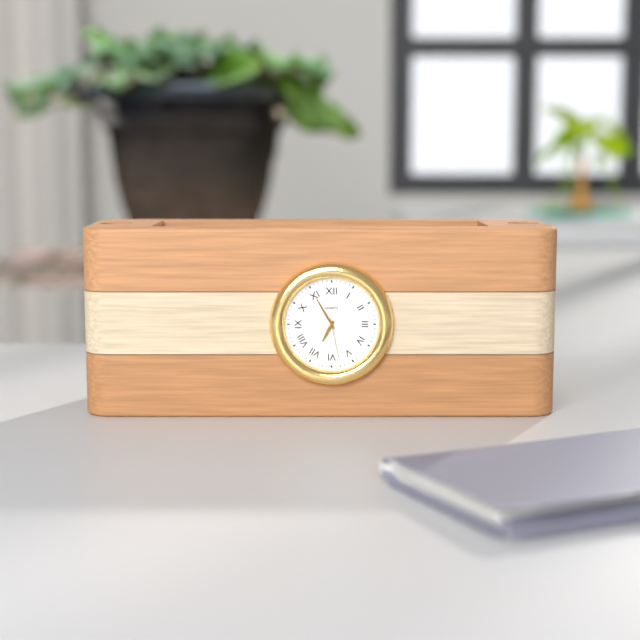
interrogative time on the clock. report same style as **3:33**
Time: **6:55**
